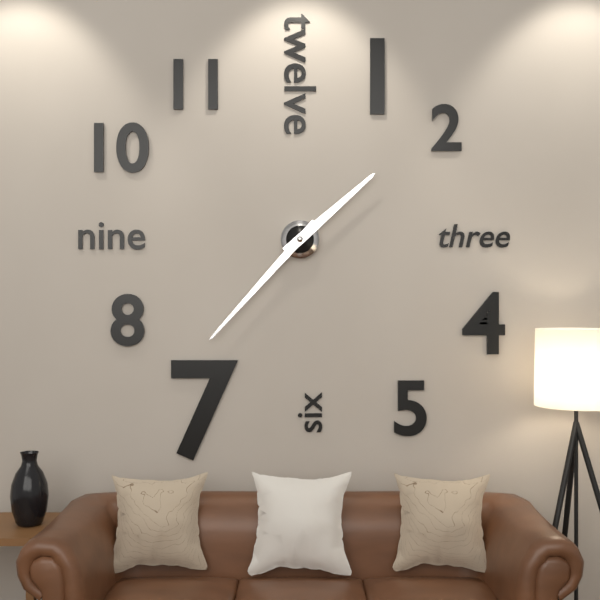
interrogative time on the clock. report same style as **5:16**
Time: **1:37**
